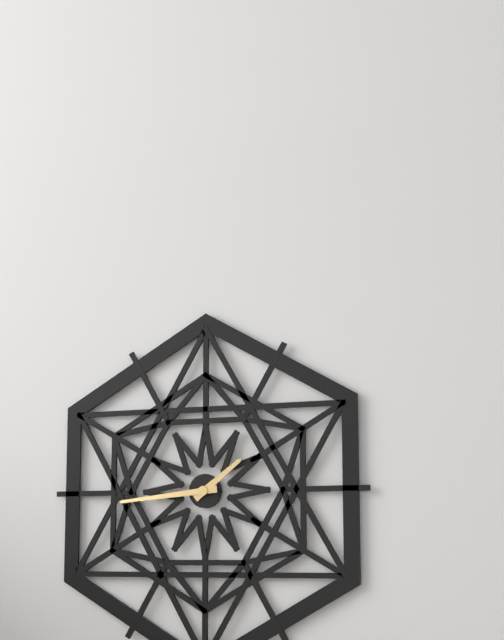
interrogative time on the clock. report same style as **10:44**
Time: **1:44**
